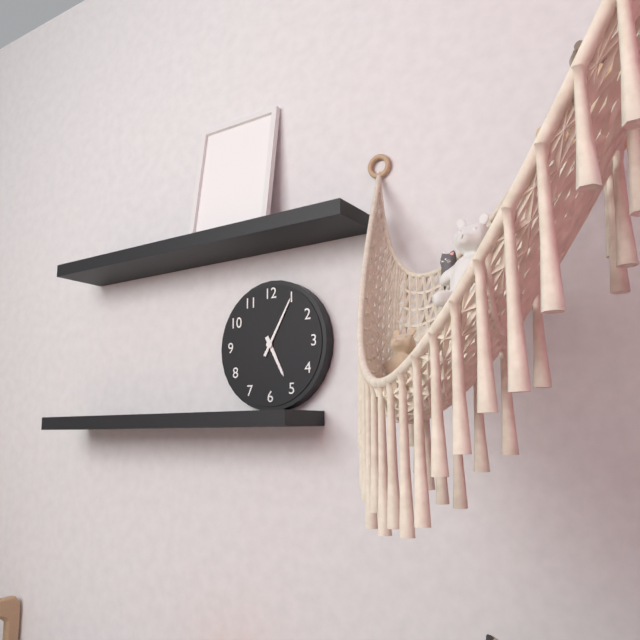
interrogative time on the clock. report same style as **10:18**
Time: **5:05**
